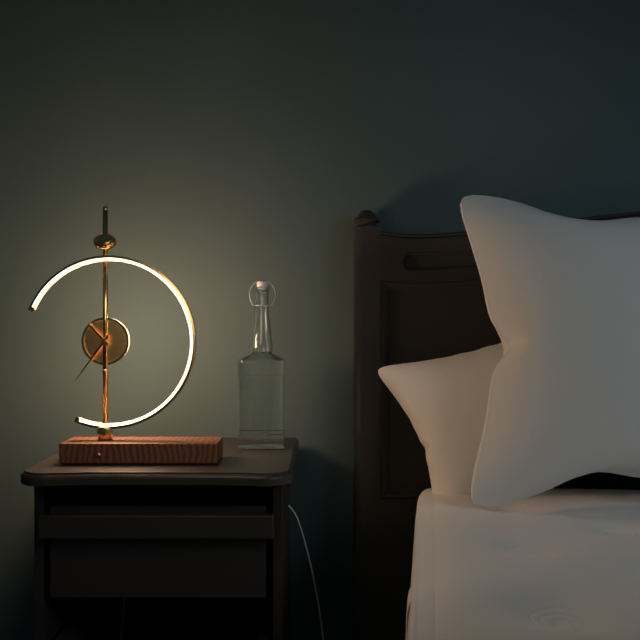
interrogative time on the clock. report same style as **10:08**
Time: **10:36**
